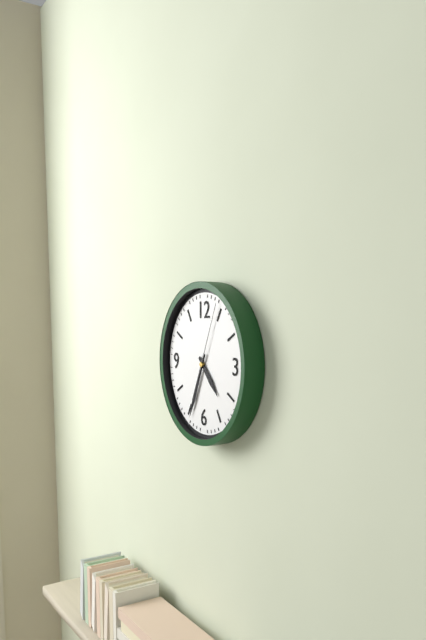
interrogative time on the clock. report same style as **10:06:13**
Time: **4:34:04**
